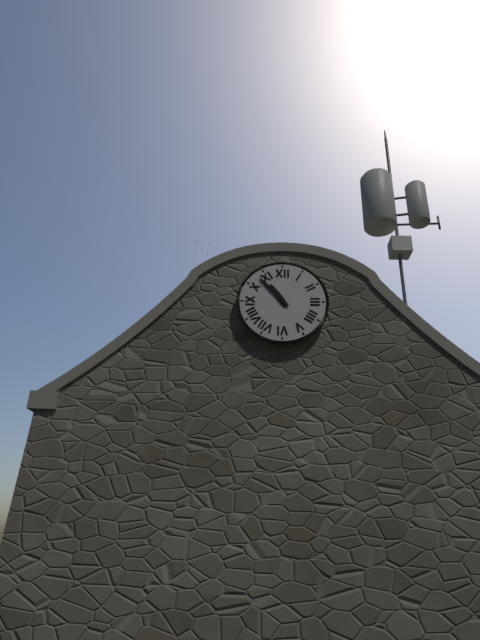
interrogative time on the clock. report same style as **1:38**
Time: **10:53**
